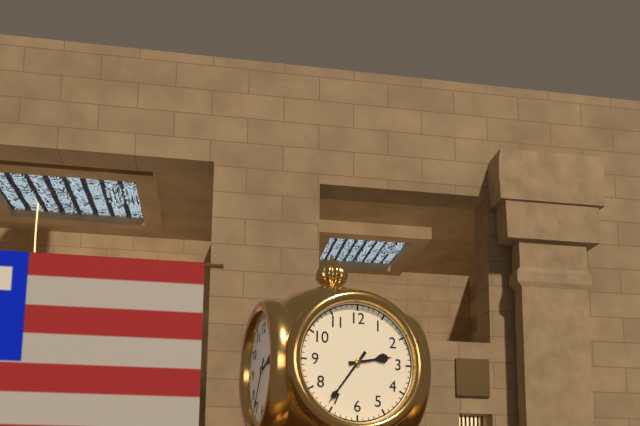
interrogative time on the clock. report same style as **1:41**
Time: **2:36**
